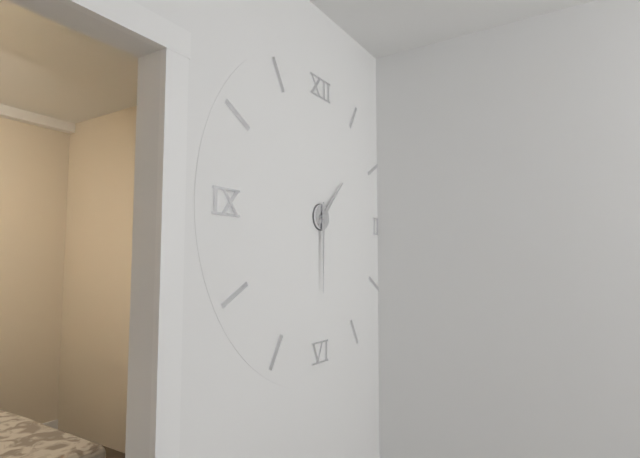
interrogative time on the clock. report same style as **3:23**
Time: **1:30**
